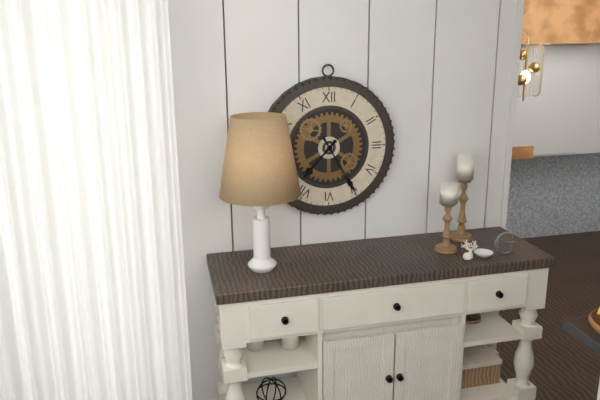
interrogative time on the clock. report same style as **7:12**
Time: **7:25**
